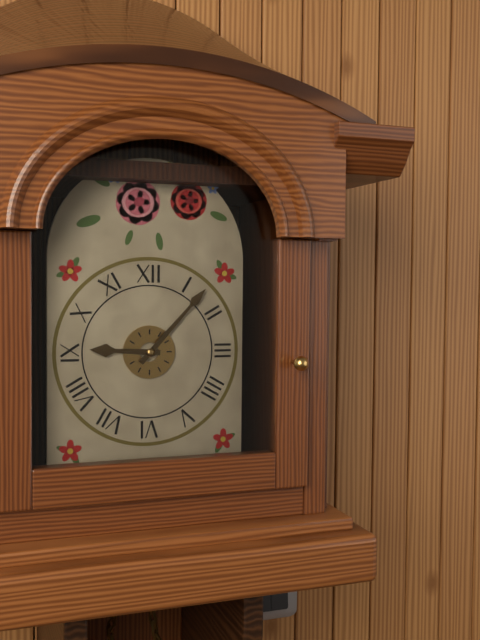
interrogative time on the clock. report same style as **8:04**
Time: **9:07**
